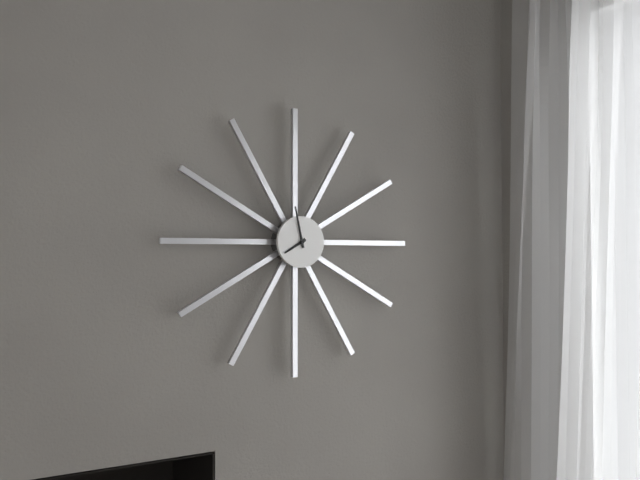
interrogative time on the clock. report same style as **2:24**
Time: **7:58**
